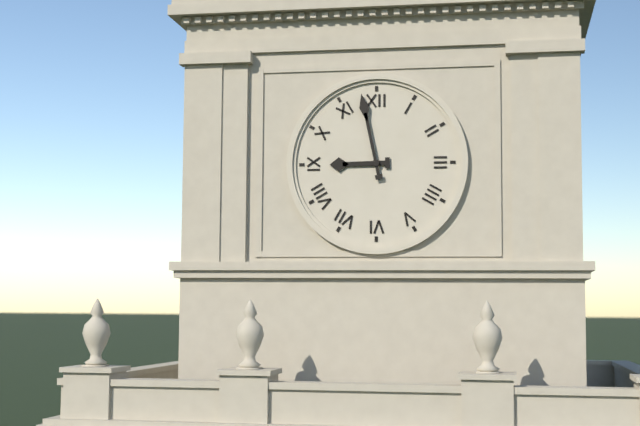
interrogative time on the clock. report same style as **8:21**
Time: **8:58**
